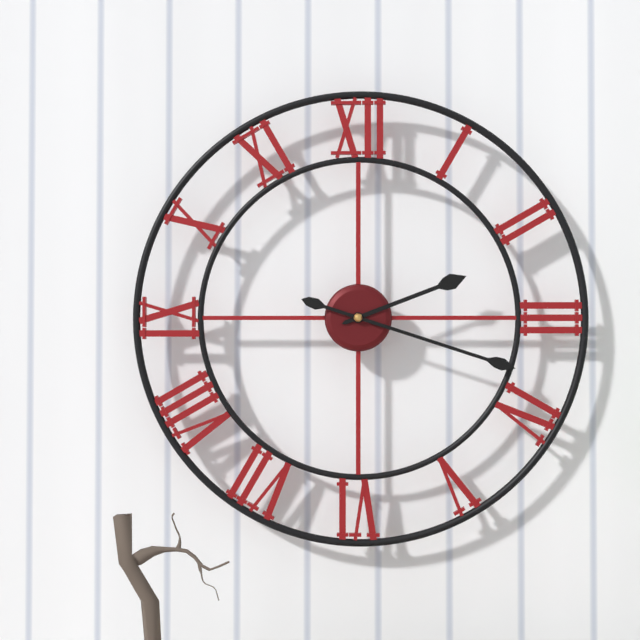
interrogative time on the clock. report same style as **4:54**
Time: **2:18**
